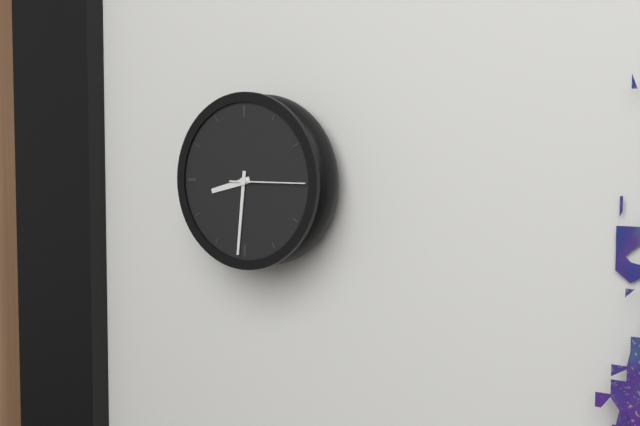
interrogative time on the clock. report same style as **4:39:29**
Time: **8:31:15**
